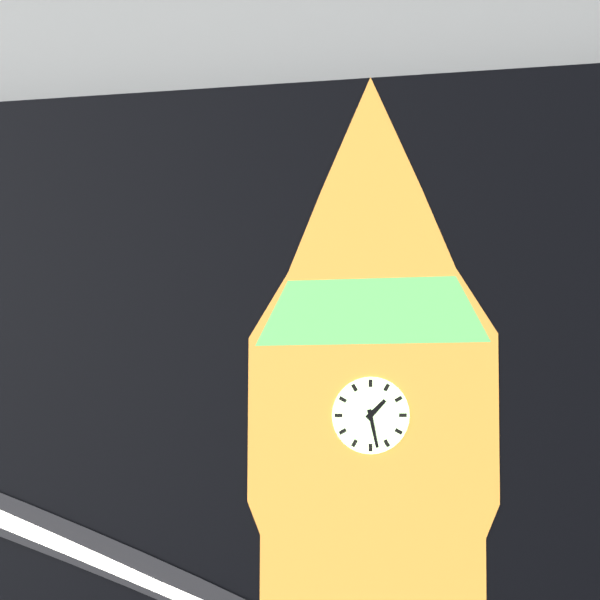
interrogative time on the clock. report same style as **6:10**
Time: **1:28**
